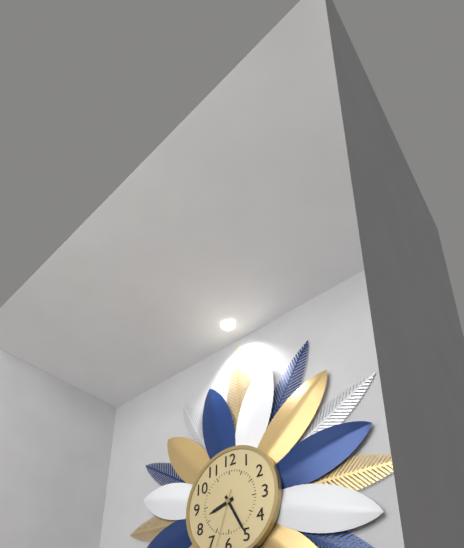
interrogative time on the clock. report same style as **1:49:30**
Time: **8:25:33**
